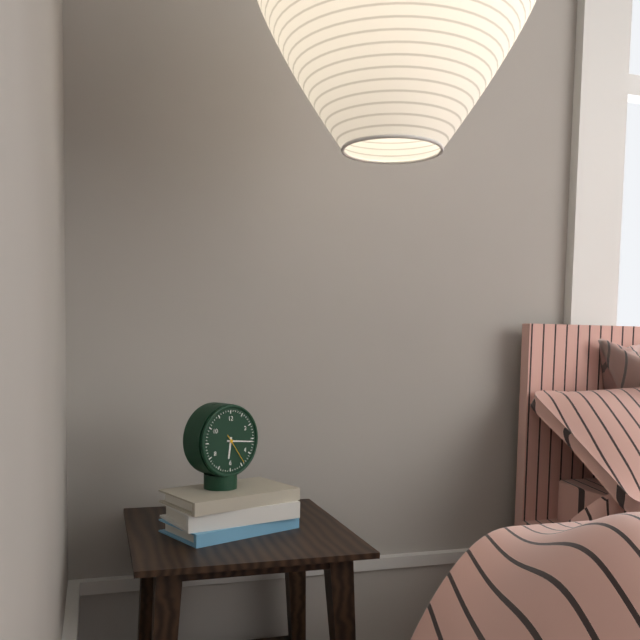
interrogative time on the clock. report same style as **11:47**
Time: **6:16**
